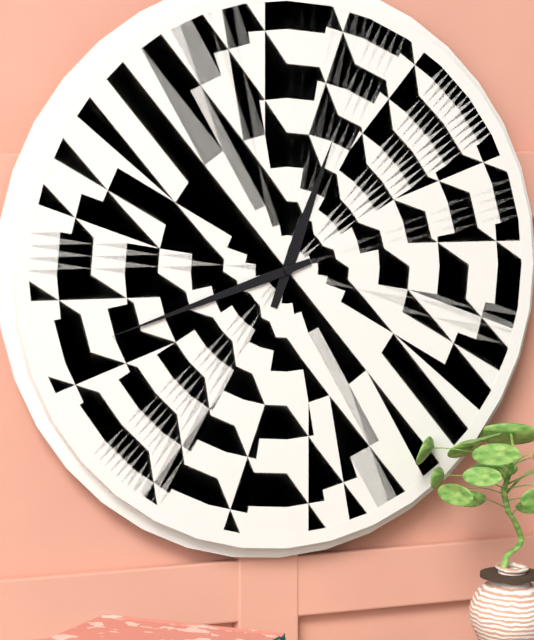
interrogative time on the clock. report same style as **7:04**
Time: **12:42**
